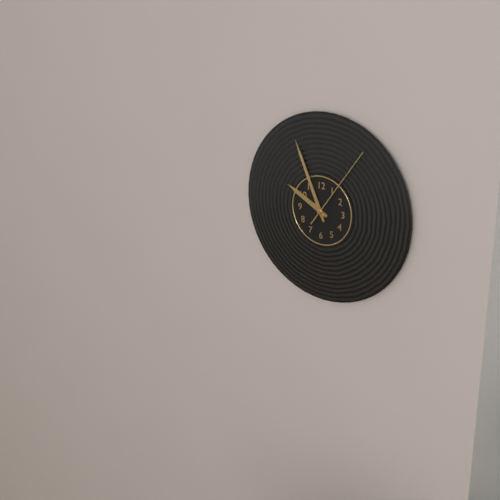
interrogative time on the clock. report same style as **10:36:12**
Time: **9:56:06**
